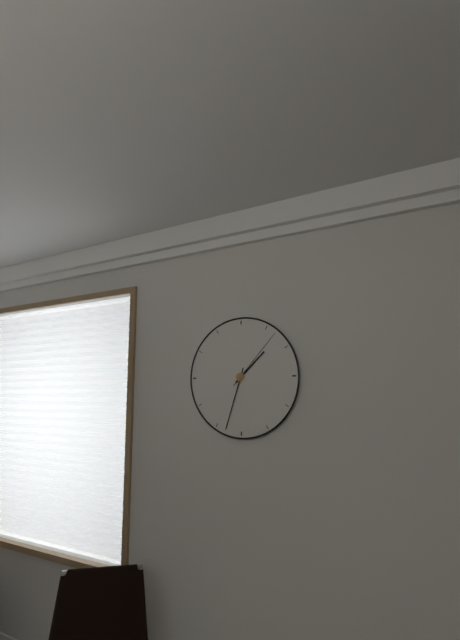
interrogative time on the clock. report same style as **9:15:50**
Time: **1:33:07**
